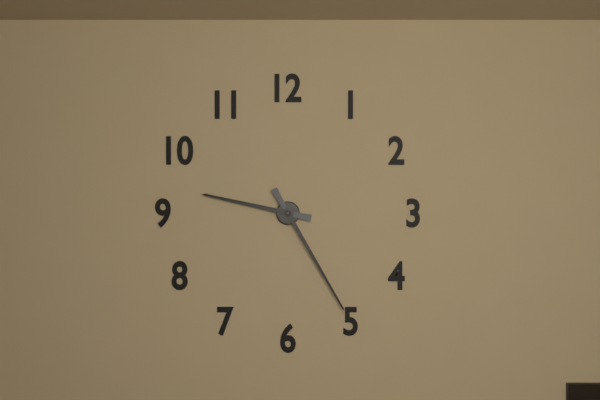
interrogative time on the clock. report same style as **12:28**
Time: **9:25**
